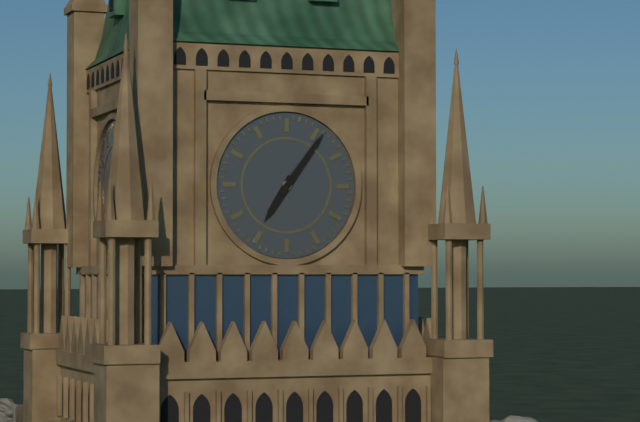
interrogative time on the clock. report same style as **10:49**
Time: **7:06**
